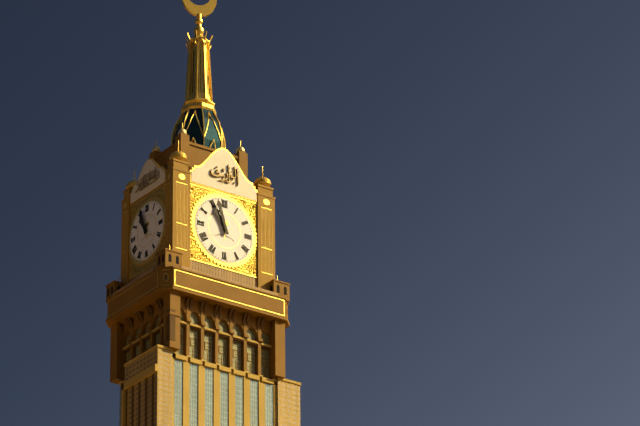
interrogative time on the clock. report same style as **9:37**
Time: **10:57**
